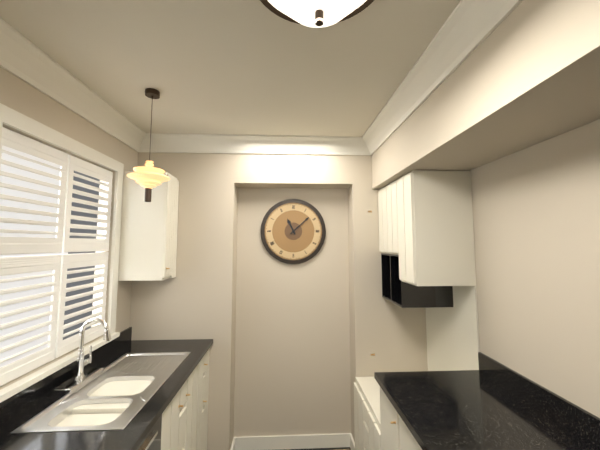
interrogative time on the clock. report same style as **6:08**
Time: **11:08**
